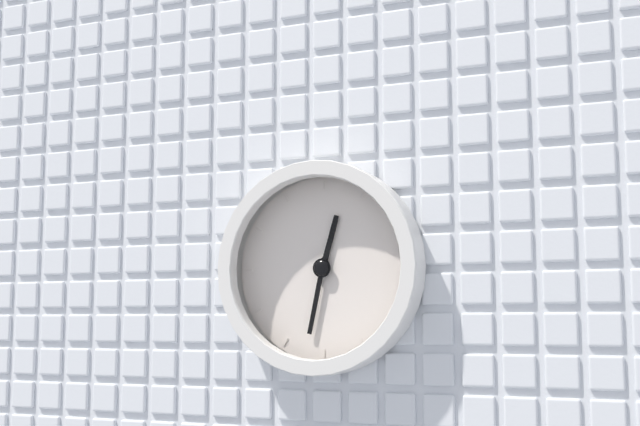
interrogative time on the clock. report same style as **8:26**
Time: **12:32**
